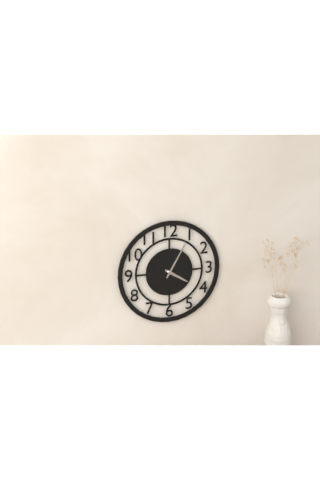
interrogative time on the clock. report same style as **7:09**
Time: **4:05**
